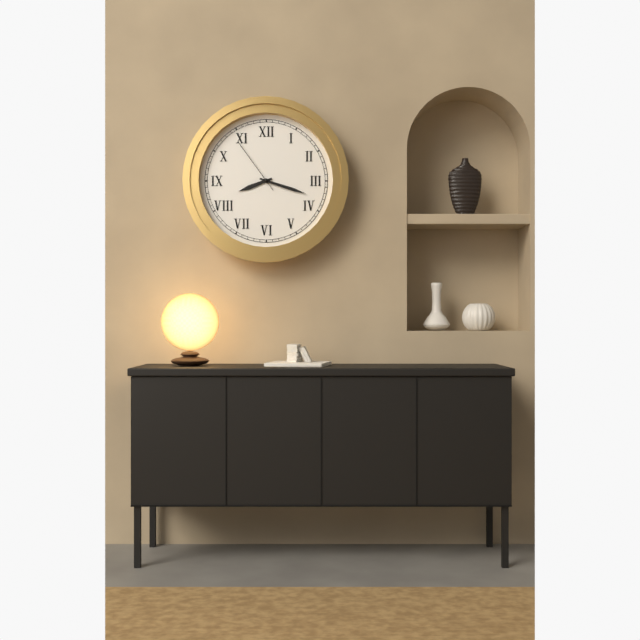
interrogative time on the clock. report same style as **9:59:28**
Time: **8:18:54**
